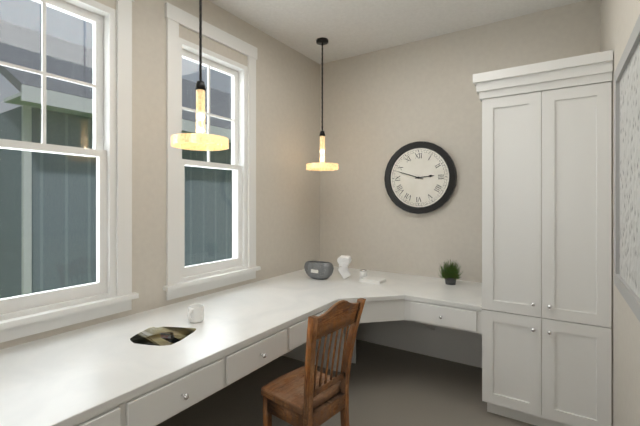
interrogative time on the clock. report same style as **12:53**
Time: **2:48**
